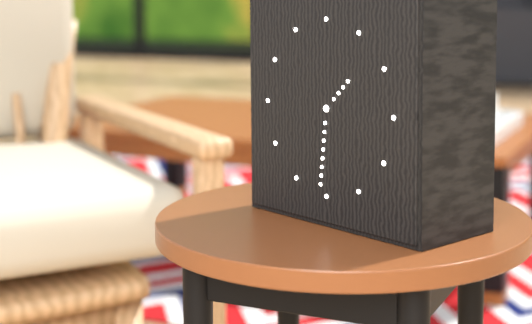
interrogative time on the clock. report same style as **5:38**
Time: **1:31**
